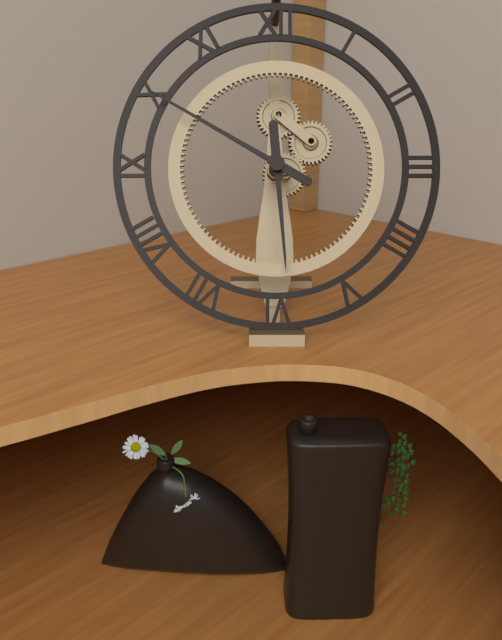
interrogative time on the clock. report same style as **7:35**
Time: **5:50**
